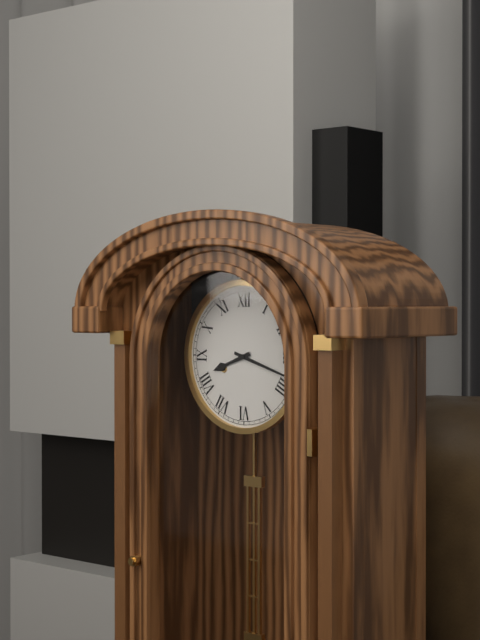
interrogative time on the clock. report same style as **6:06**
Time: **8:18**
